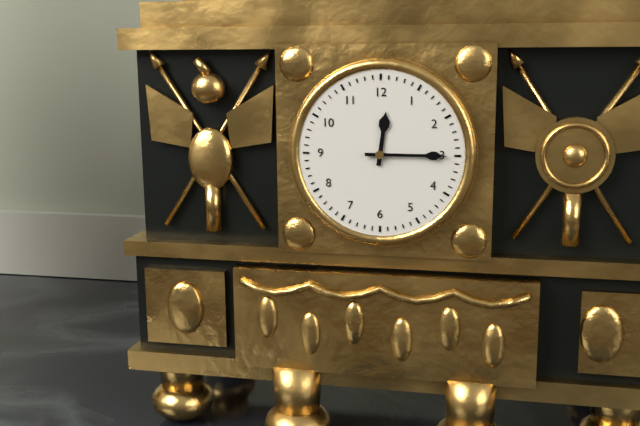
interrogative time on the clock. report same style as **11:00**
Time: **12:15**
